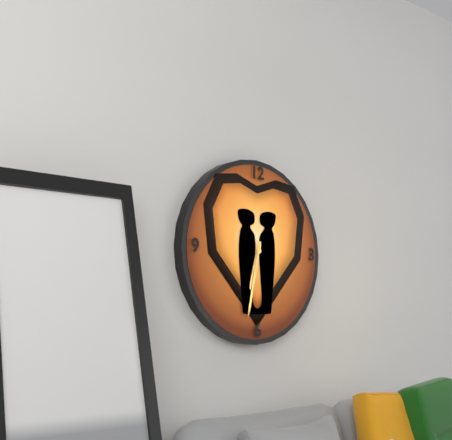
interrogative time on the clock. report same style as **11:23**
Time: **6:32**
